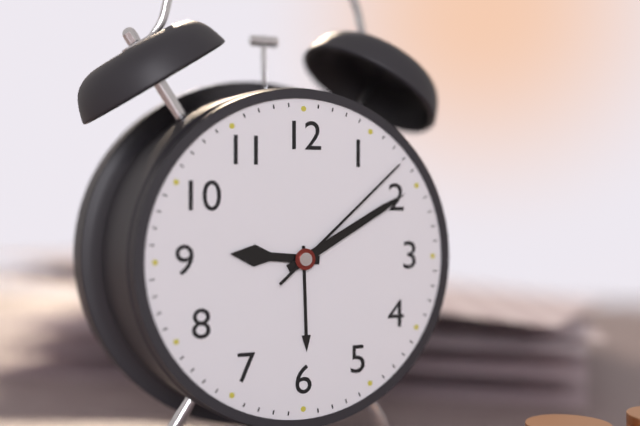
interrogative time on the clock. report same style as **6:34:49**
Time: **9:10:08**
